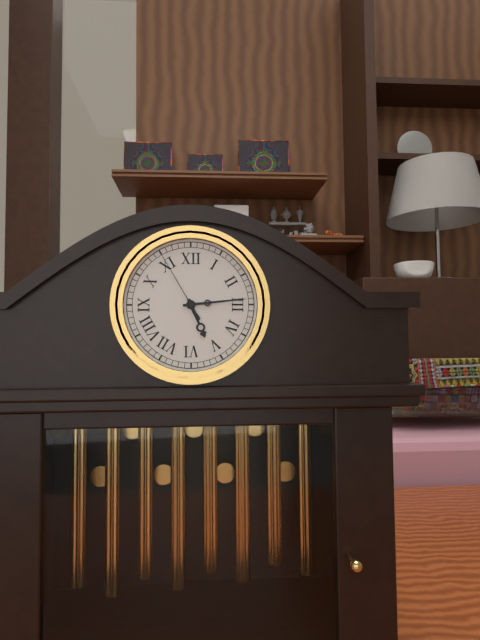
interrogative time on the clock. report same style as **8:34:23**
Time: **5:14:55**
